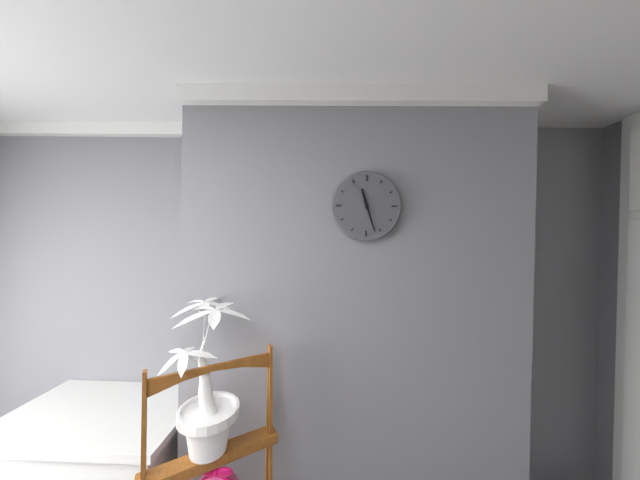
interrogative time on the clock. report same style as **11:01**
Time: **11:27**
